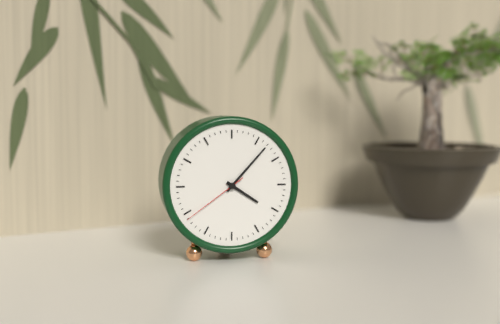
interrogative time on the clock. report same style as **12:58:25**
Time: **4:07:39**
